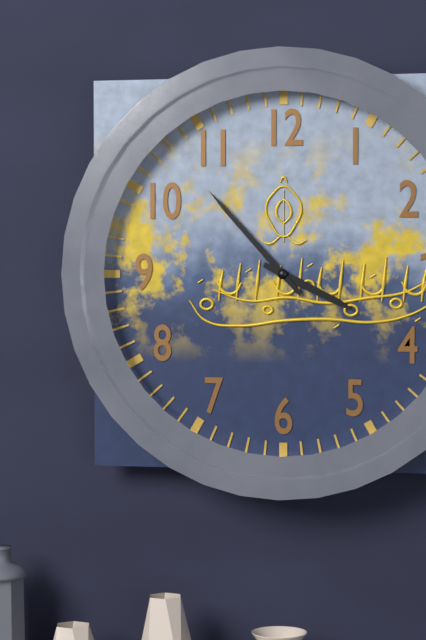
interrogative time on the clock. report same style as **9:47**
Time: **3:53**
